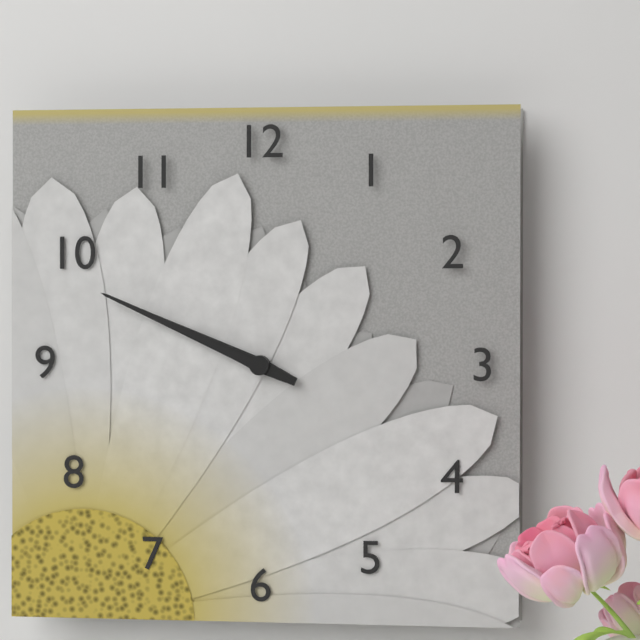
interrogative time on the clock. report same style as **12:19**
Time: **9:49**
